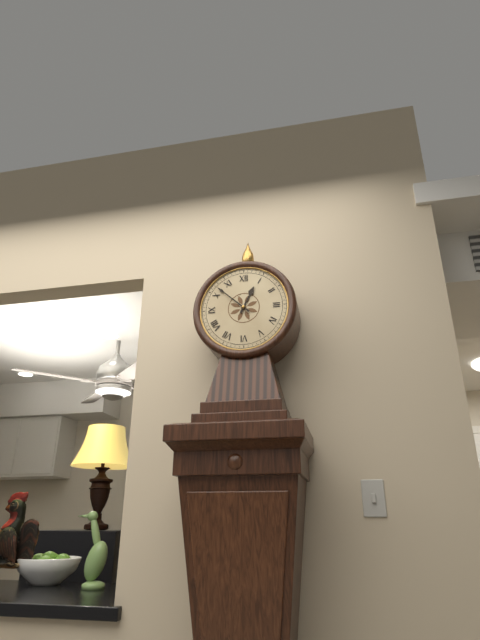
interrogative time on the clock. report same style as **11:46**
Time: **12:52**
